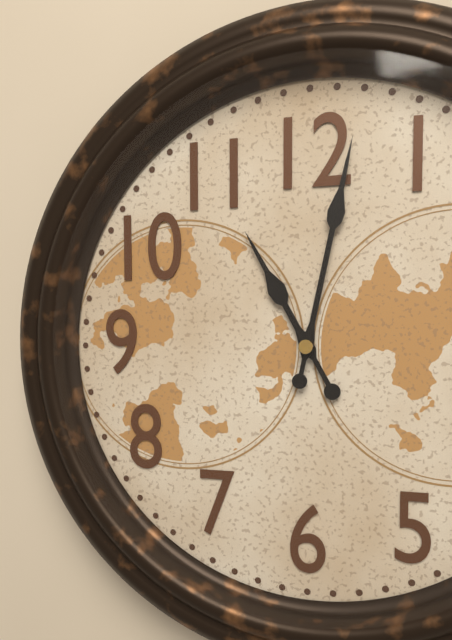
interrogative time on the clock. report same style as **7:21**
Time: **11:02**
